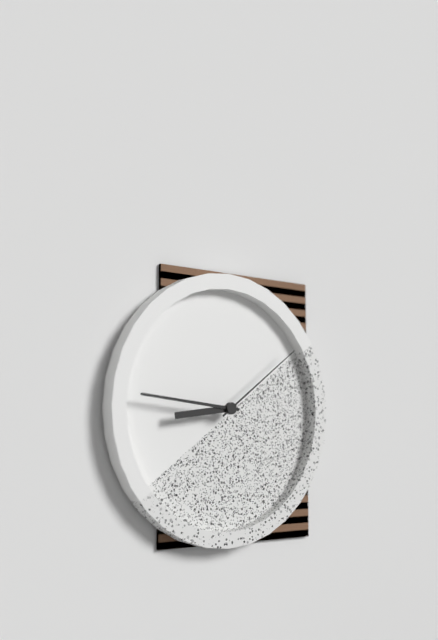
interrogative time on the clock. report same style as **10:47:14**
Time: **8:46:09**
